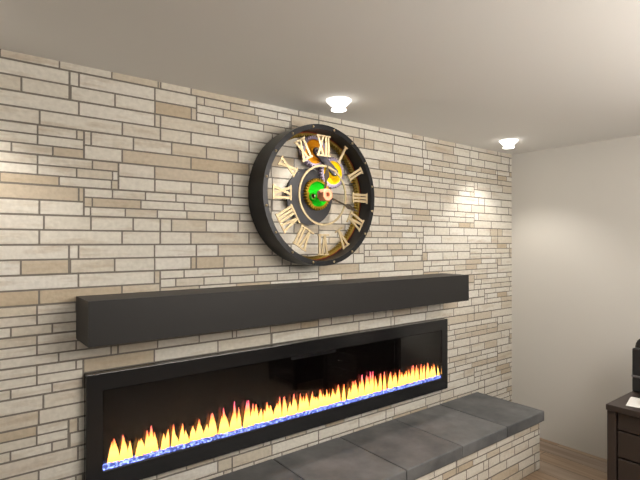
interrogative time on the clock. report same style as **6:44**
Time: **12:18**
